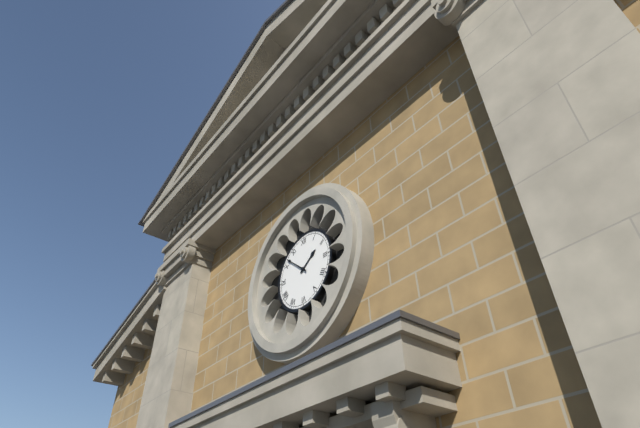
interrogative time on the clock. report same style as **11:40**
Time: **1:52**
